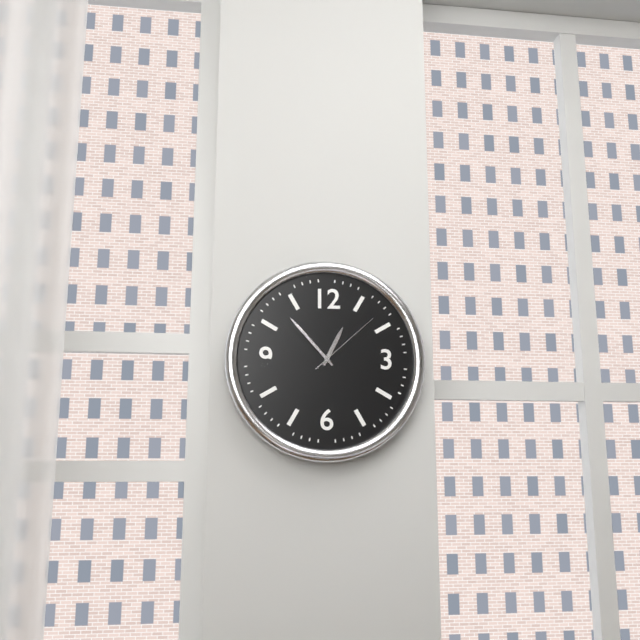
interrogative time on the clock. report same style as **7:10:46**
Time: **12:53:08**
